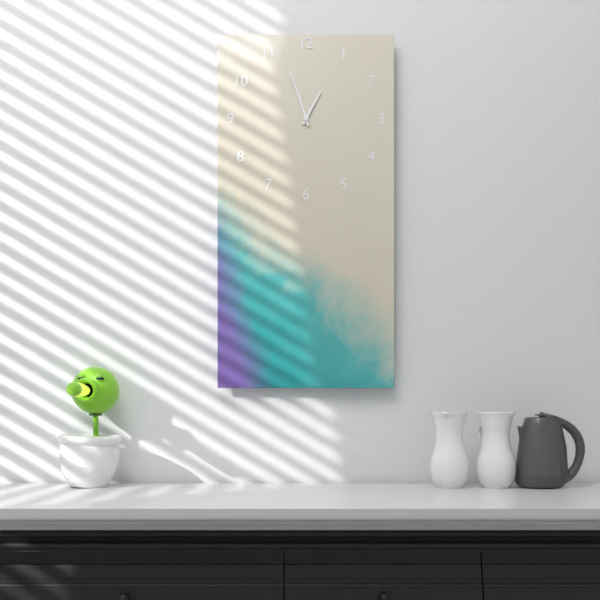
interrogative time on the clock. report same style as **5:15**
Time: **12:57**
